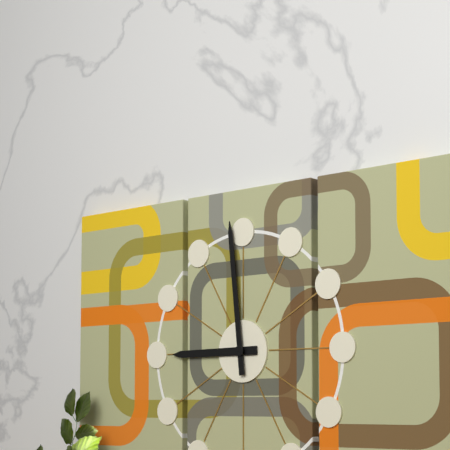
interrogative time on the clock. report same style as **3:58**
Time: **8:59**
